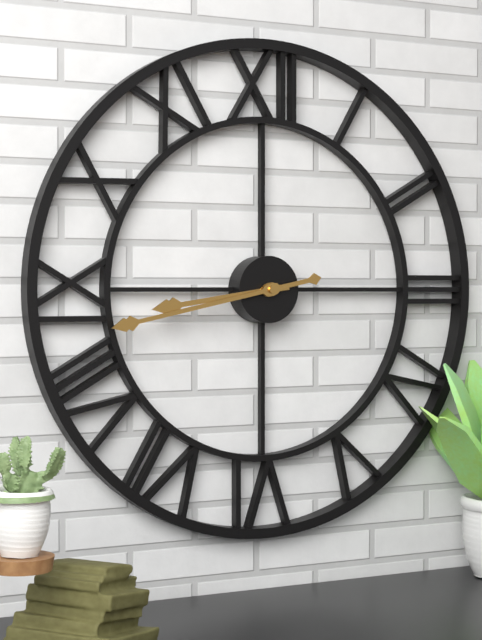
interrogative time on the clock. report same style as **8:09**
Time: **8:43**
